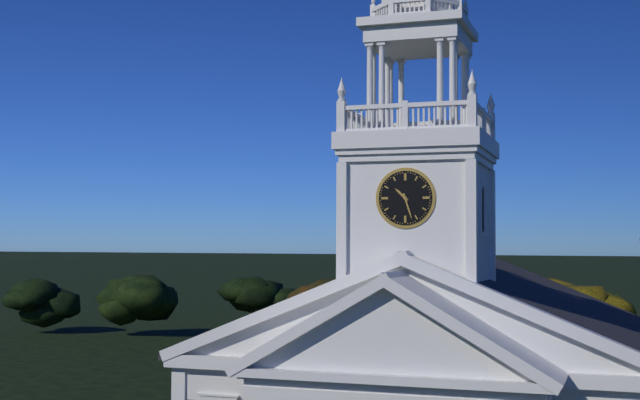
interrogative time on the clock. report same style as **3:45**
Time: **10:27**
